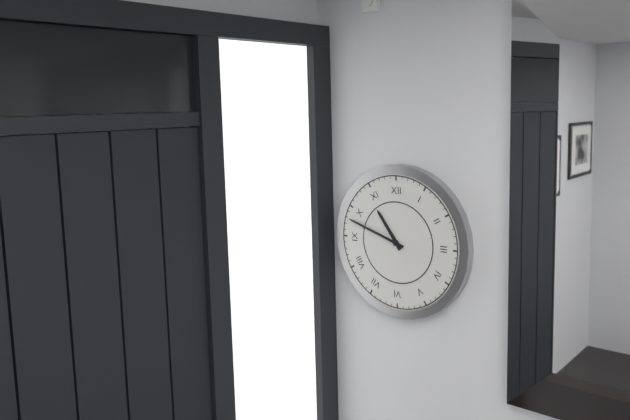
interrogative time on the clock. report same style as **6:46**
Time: **10:48**
